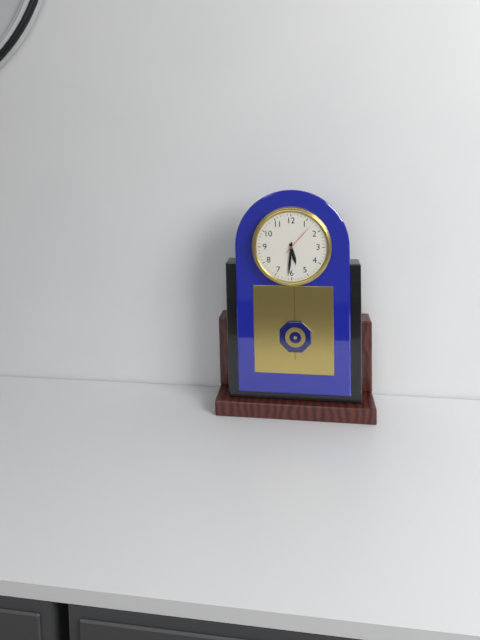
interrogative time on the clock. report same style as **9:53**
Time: **5:31**
